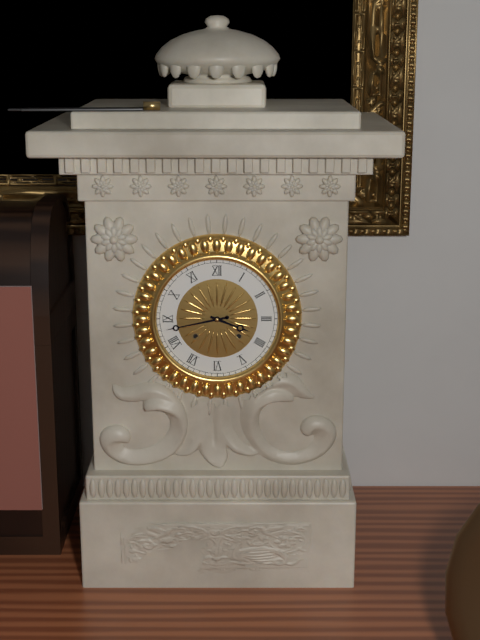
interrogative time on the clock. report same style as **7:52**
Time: **3:43**
